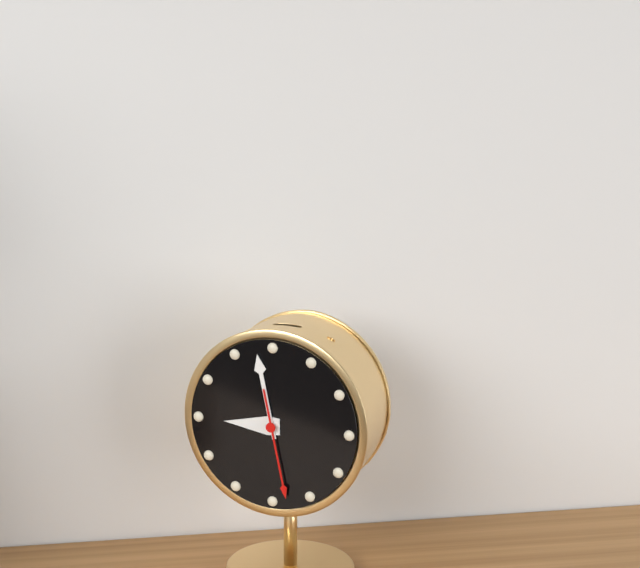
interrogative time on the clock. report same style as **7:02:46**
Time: **8:58:28**
